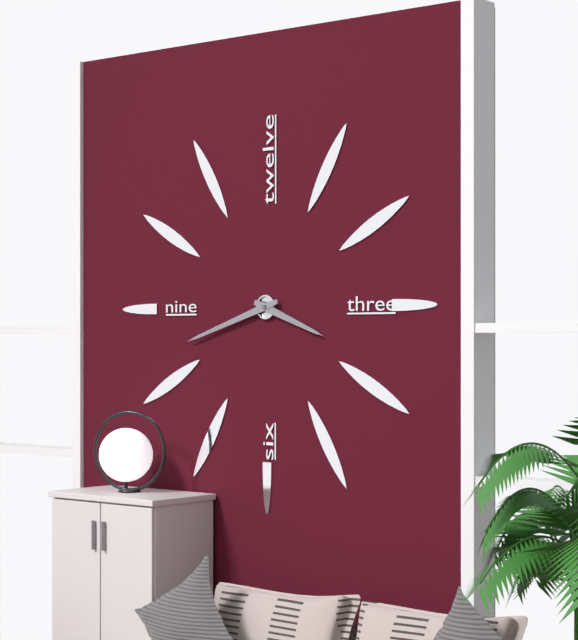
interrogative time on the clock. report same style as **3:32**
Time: **3:42**
